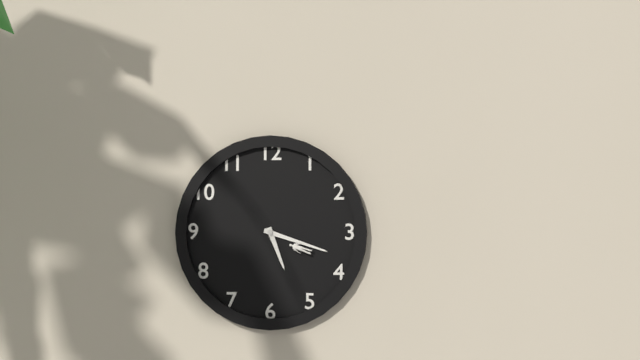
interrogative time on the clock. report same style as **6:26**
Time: **5:18**
